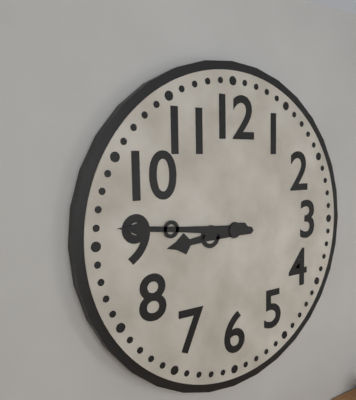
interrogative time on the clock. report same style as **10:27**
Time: **8:46**
